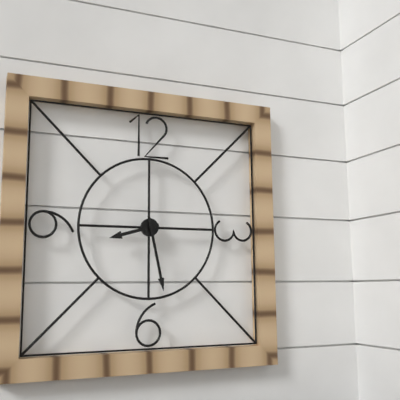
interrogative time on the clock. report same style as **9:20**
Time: **8:28**
